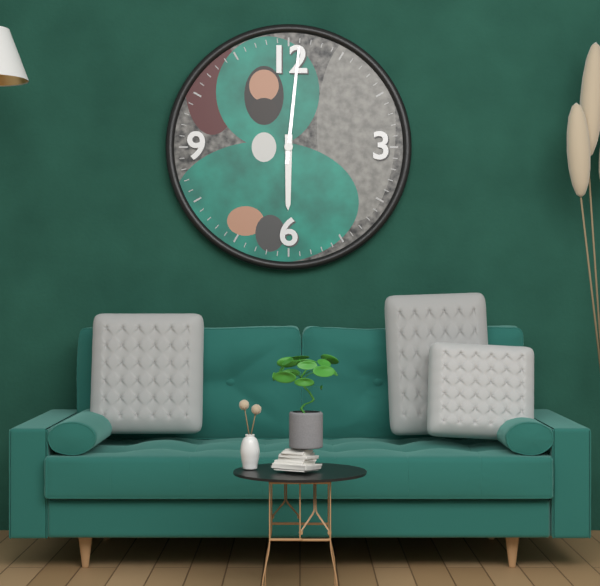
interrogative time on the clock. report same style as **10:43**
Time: **6:01**
